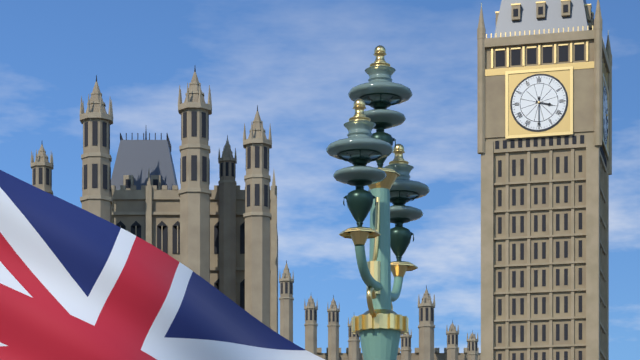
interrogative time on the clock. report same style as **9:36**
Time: **3:30**
